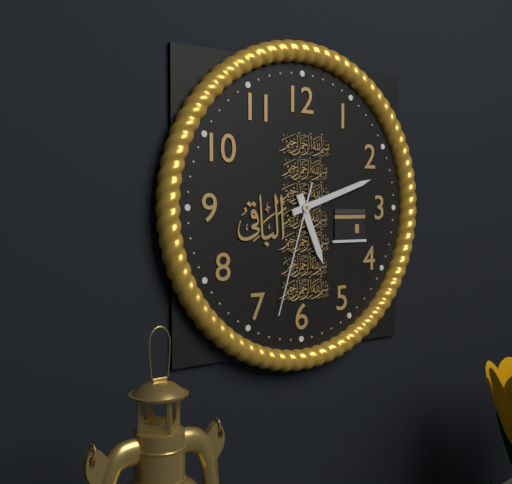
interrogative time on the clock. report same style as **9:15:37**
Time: **5:12:33**
